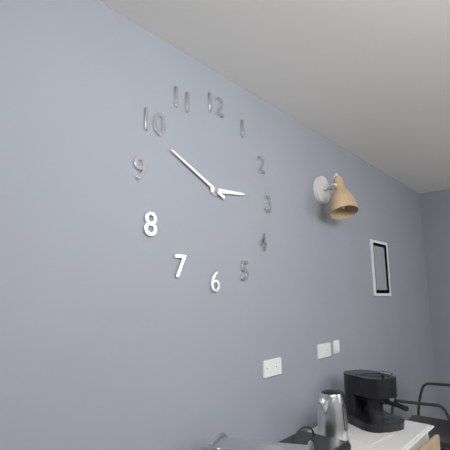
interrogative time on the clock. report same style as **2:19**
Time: **2:49**
